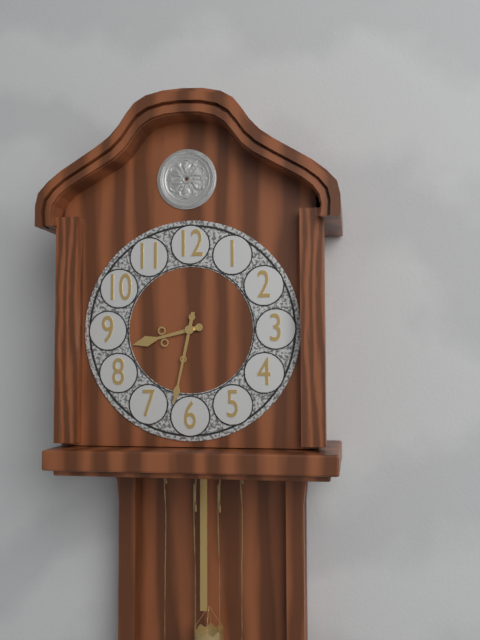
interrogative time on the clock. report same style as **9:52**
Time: **8:32**
